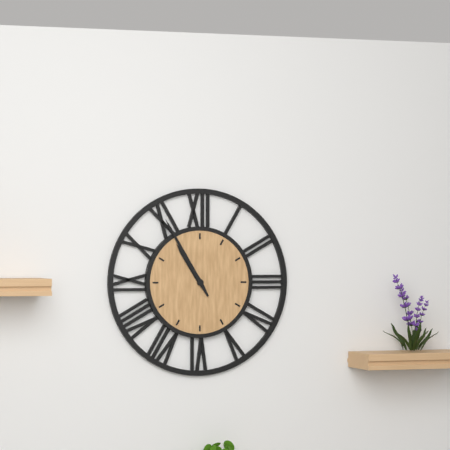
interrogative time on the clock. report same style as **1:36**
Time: **10:55**
